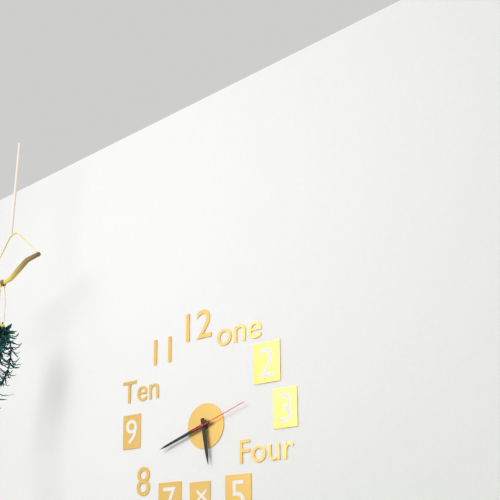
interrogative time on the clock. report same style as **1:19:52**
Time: **5:42:12**
